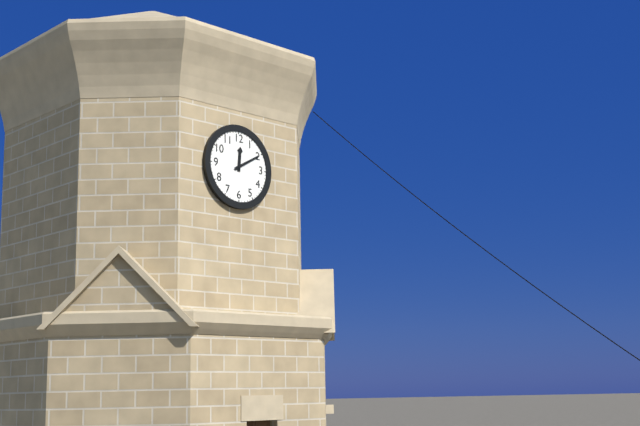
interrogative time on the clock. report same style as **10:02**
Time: **12:10**
